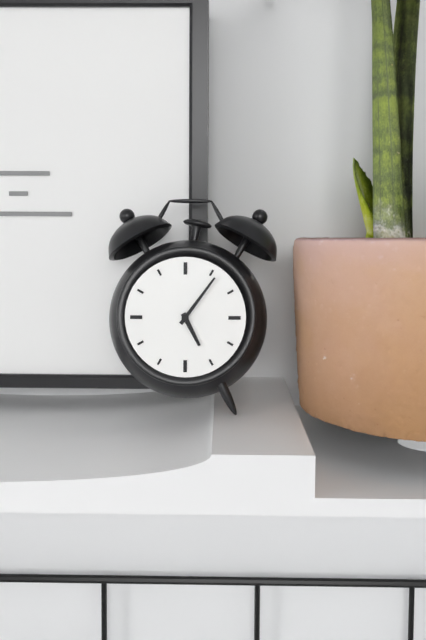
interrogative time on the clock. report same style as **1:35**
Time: **5:06**
